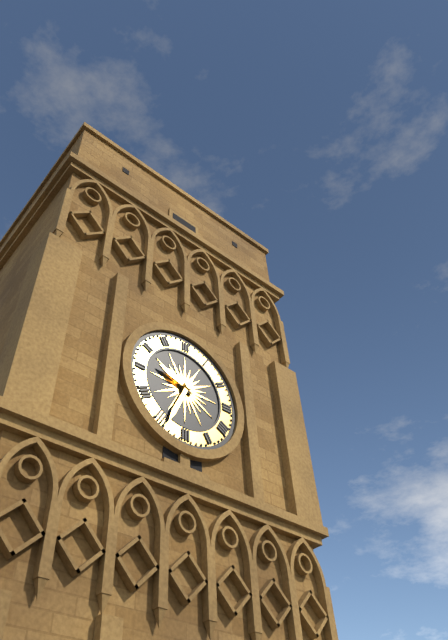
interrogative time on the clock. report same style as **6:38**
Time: **9:34**
